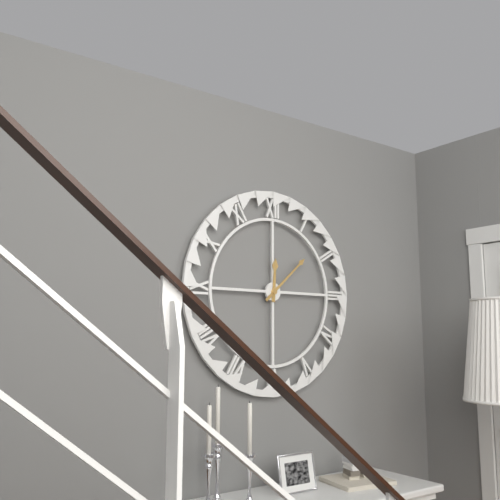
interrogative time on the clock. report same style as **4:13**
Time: **12:08**
